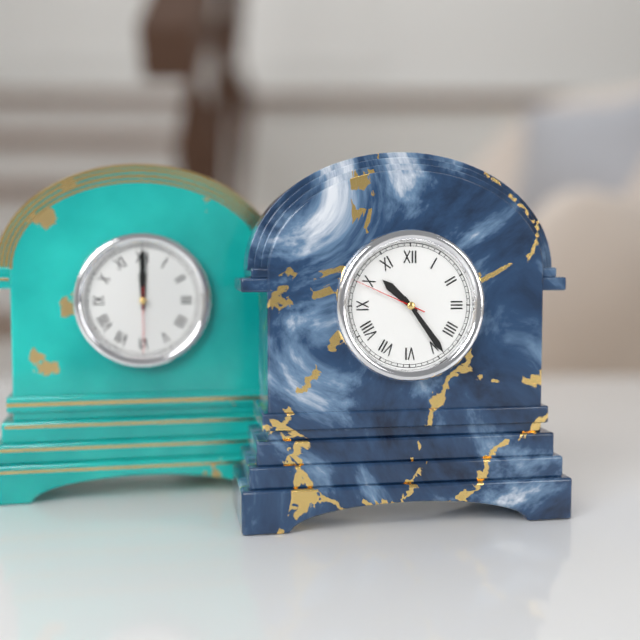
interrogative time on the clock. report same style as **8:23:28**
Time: **10:24:49**
